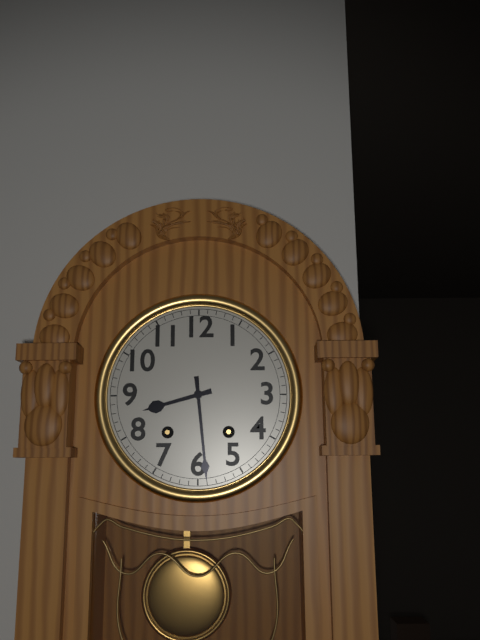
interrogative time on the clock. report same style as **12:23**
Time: **8:29**
